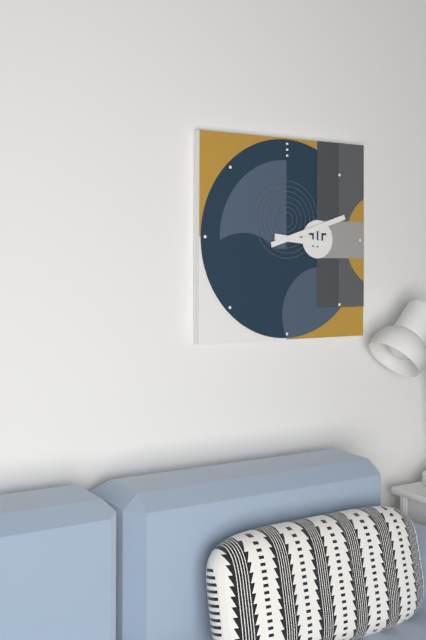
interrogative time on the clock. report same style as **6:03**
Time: **3:12**
